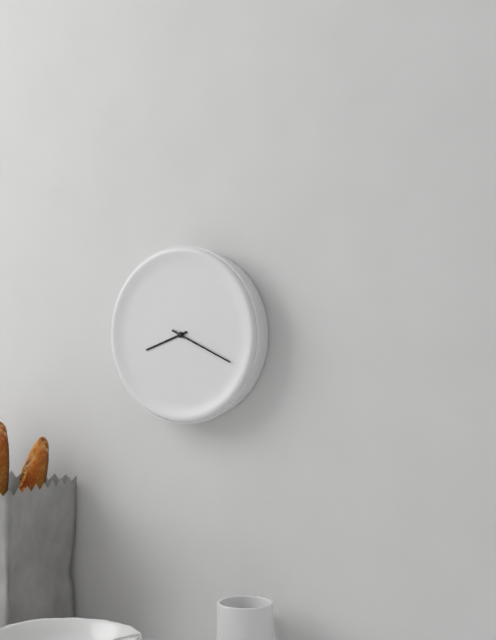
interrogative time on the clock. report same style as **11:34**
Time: **8:19**
